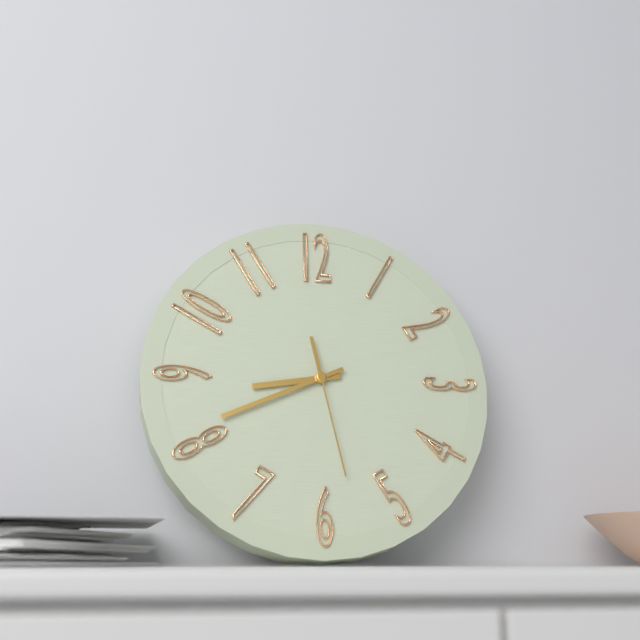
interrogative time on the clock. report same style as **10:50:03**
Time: **8:41:28**
